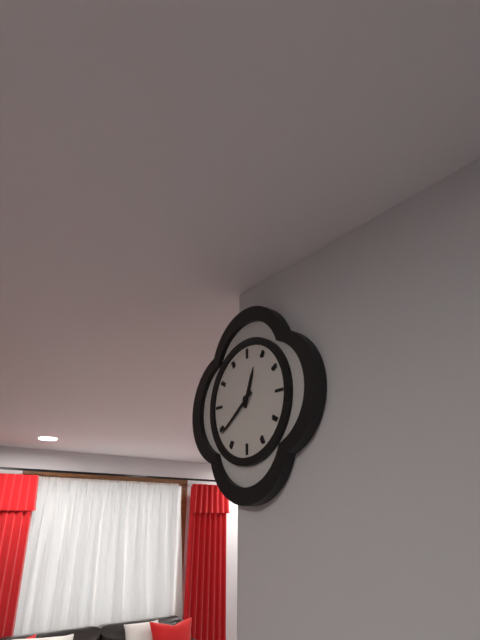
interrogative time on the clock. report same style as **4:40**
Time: **12:39**
